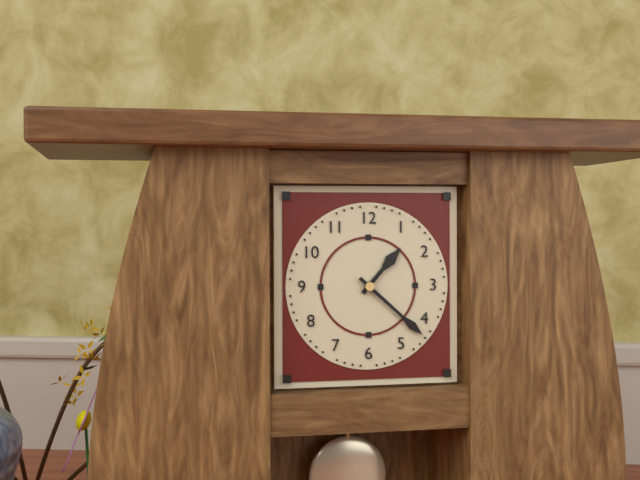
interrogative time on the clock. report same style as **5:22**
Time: **1:22**
